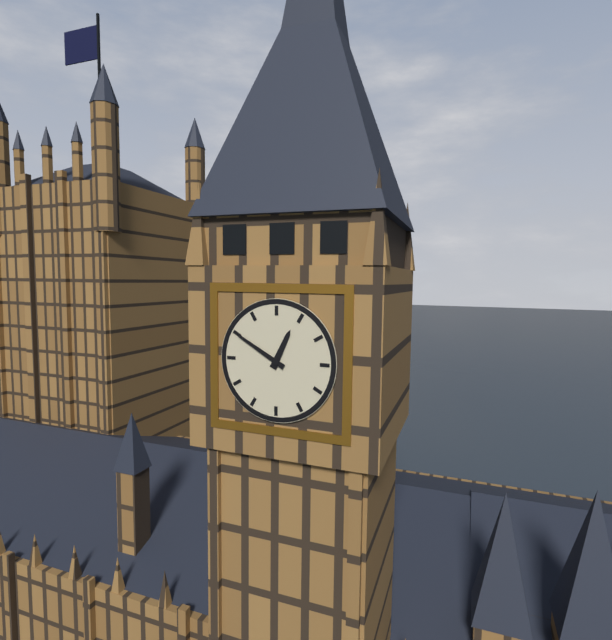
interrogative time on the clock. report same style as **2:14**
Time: **12:50**
